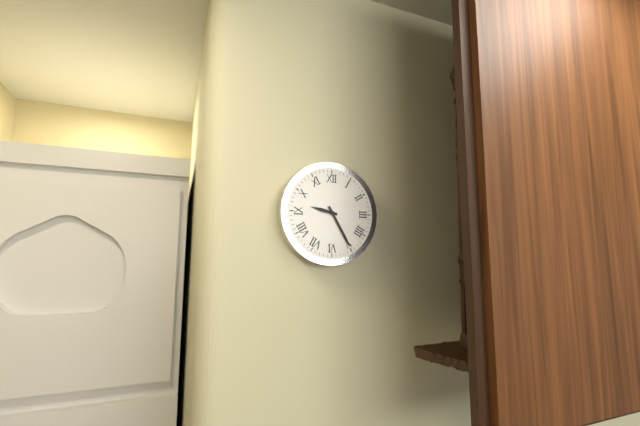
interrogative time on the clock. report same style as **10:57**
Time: **9:25**
